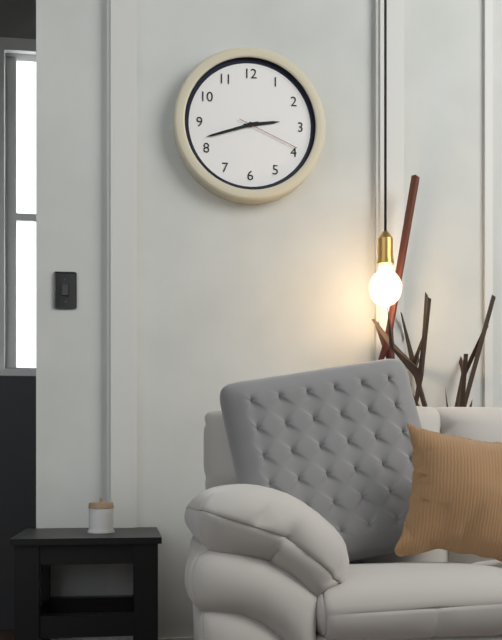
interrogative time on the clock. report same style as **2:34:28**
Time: **2:42:19**
